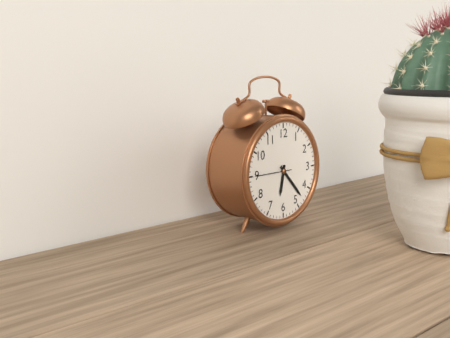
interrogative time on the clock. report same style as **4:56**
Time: **6:23**
